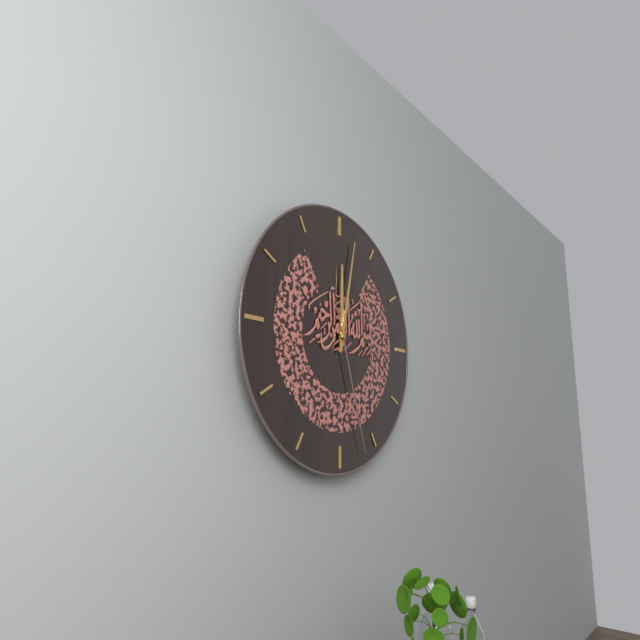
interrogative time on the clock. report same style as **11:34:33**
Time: **12:02:27**
